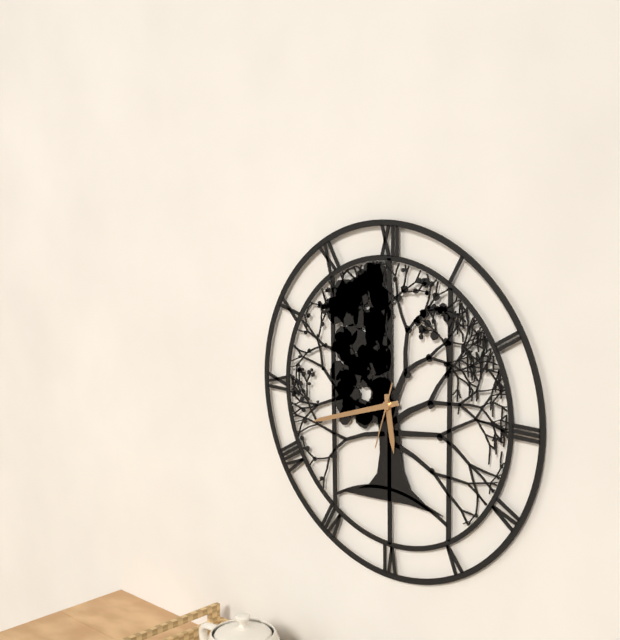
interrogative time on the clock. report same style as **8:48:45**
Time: **5:42:33**
